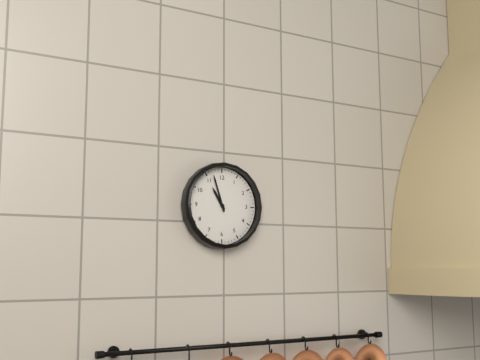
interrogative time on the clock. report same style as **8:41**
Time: **10:57**
